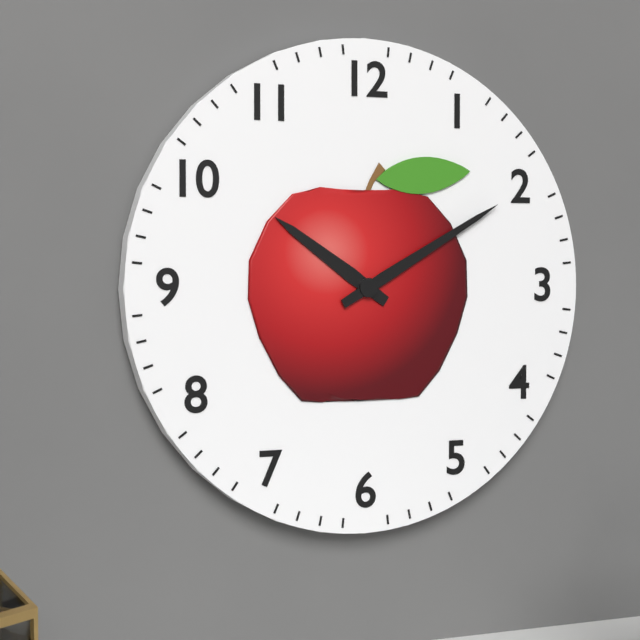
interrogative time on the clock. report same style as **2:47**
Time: **10:10**
